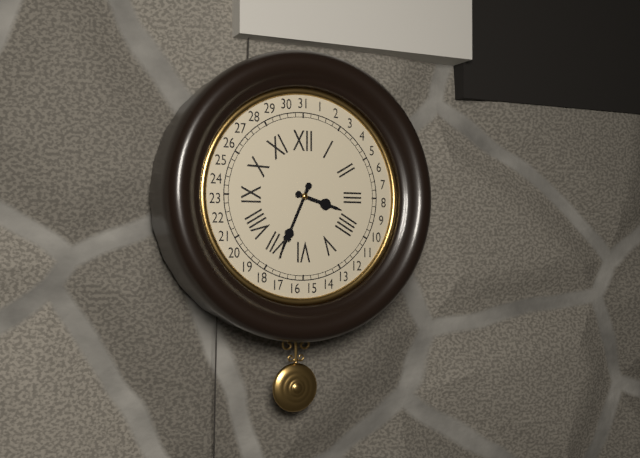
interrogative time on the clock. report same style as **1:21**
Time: **3:34**
